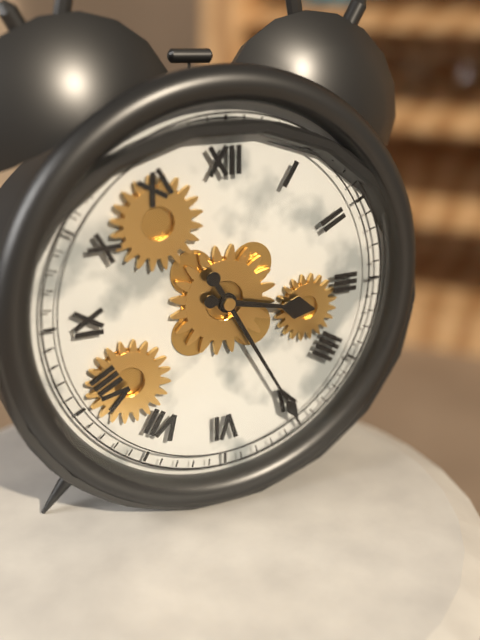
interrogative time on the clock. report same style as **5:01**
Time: **3:25**
